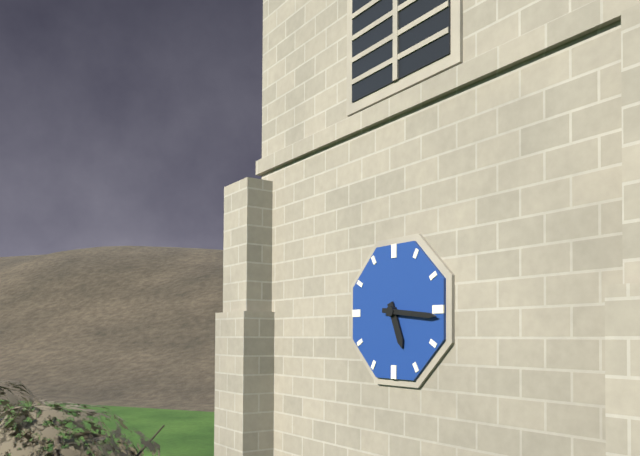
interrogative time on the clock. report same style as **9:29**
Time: **5:16**
